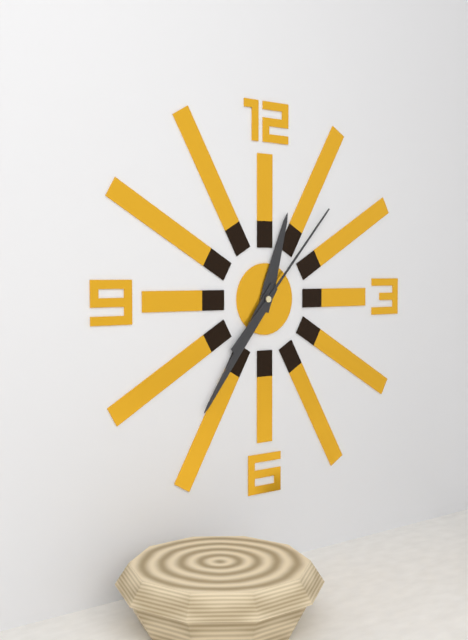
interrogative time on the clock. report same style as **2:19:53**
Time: **12:36:07**
